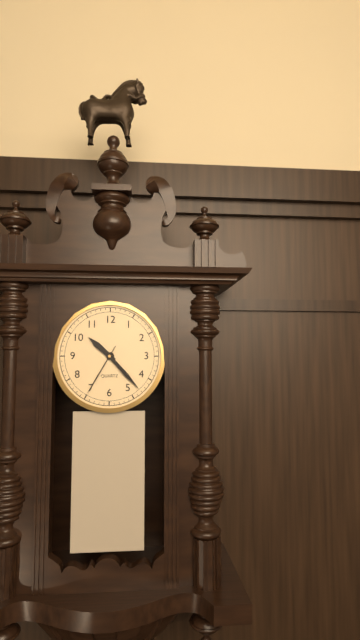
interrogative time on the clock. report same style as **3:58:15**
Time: **10:23:35**
